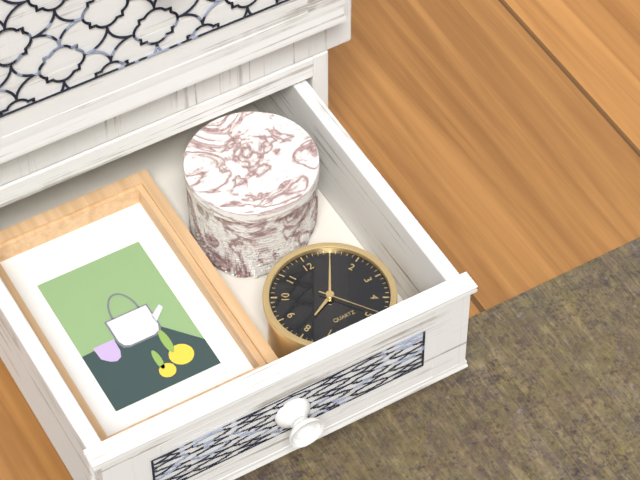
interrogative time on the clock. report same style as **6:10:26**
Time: **8:05:24**
